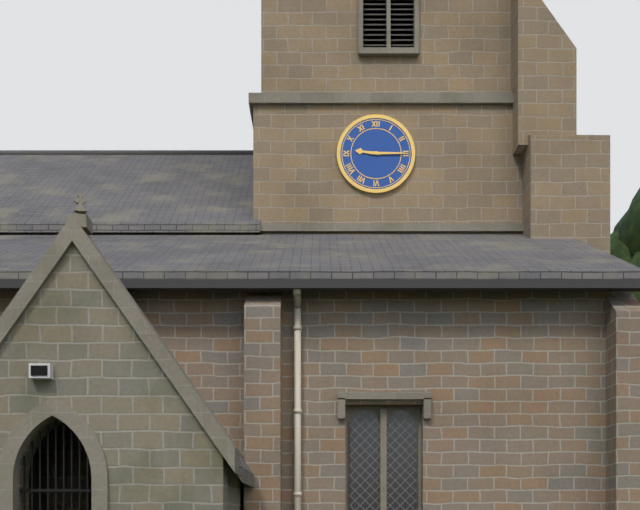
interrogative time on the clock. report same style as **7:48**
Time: **9:15**
